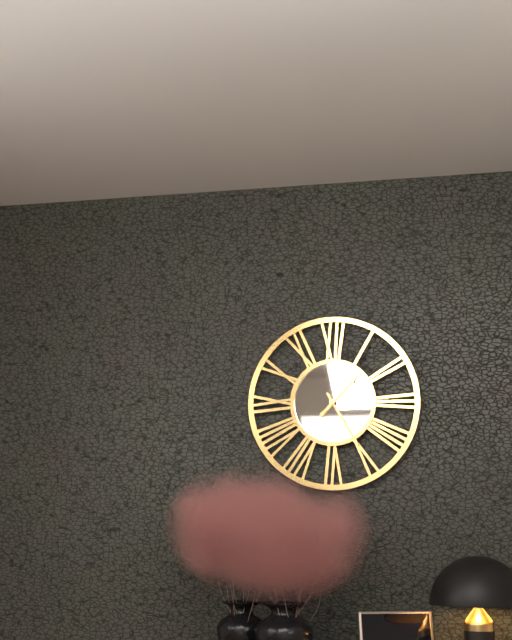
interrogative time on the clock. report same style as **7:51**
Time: **1:25**
